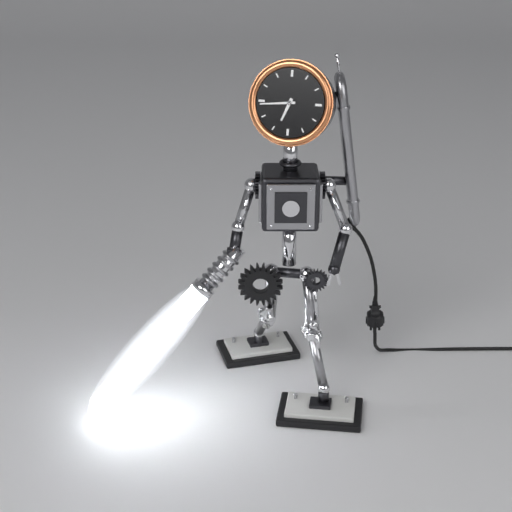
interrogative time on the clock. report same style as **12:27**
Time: **6:44**
